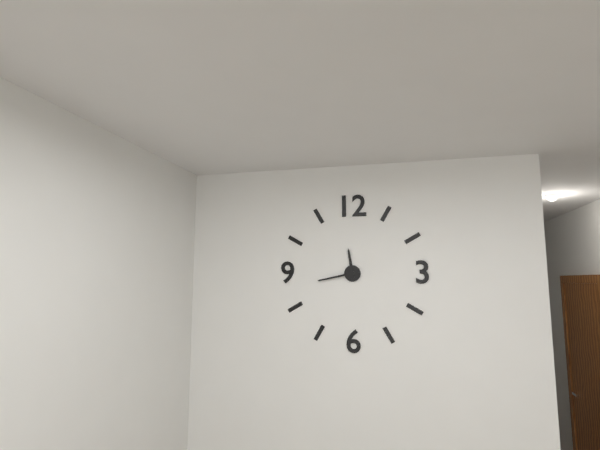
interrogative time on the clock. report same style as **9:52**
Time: **11:43**
